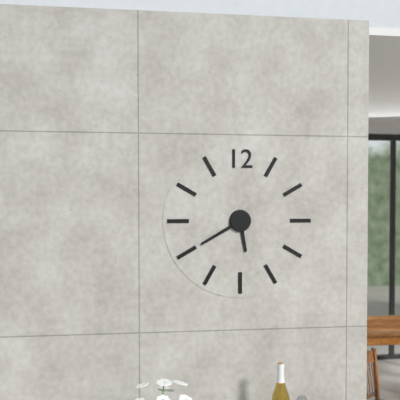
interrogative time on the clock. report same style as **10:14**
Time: **5:40**
